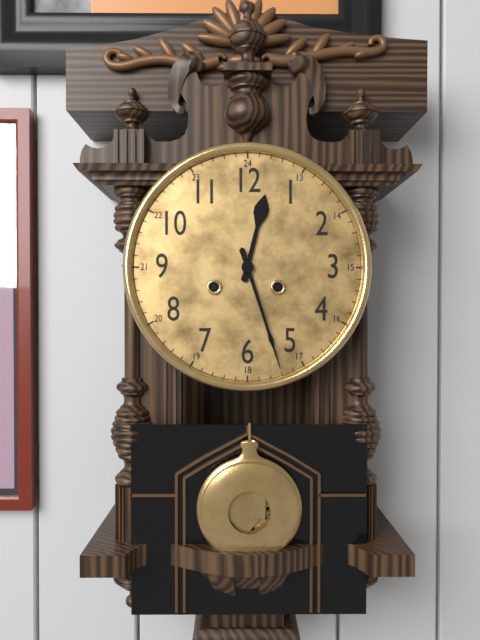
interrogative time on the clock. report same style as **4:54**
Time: **12:27**
